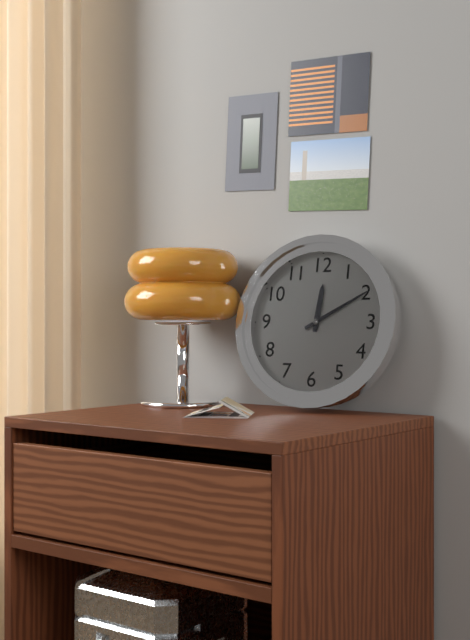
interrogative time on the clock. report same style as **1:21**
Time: **12:10**
